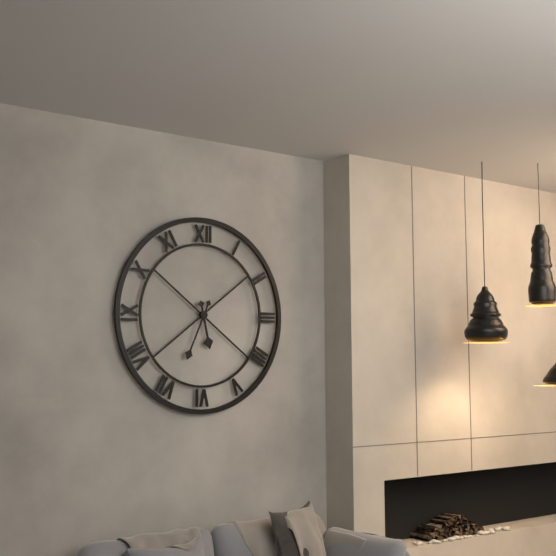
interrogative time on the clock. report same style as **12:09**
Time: **5:34**
